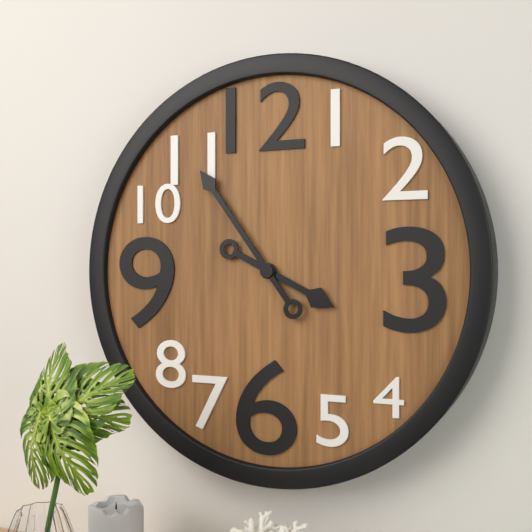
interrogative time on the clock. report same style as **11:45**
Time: **3:54**
